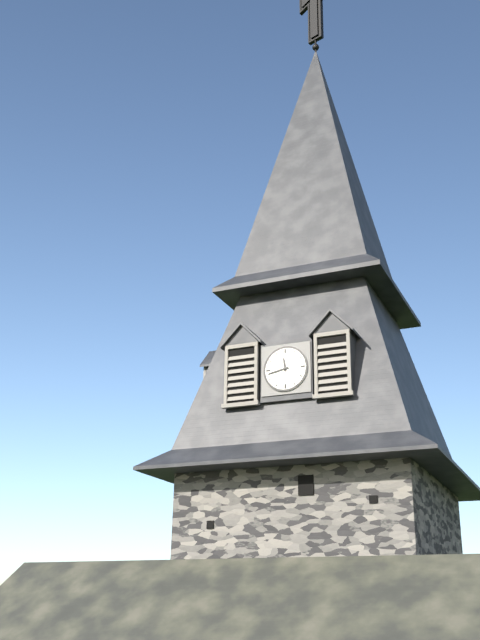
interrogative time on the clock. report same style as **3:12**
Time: **11:43**
